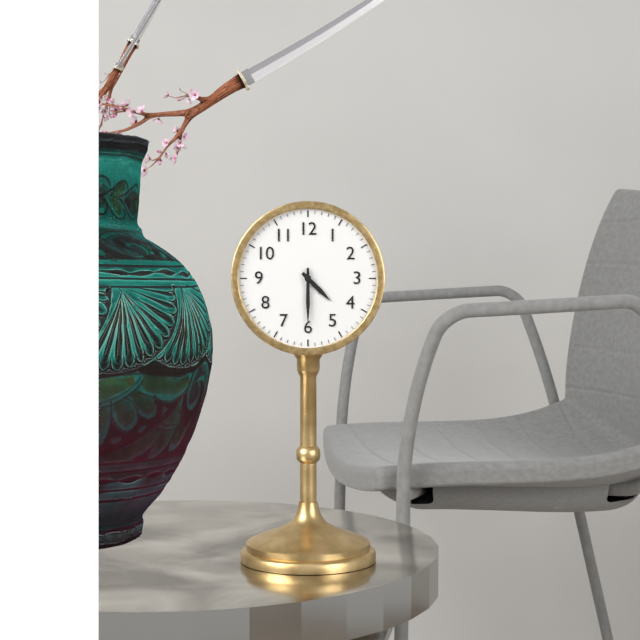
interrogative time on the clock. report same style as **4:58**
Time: **4:30**
